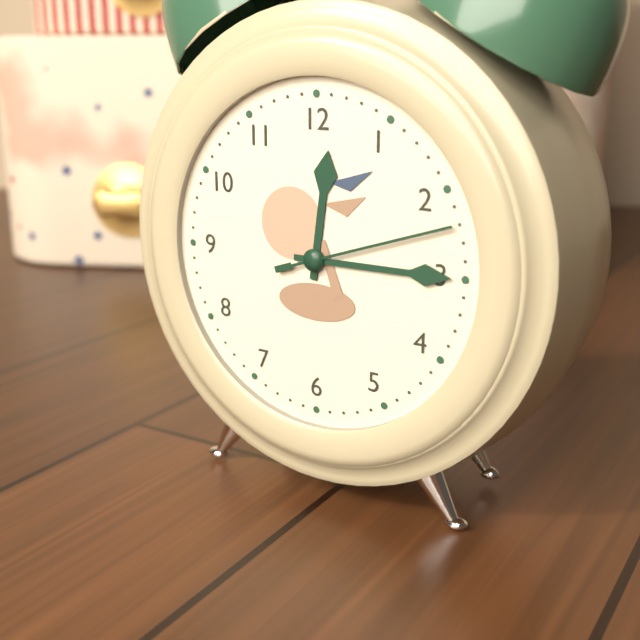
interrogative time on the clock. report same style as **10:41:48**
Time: **12:15:12**
